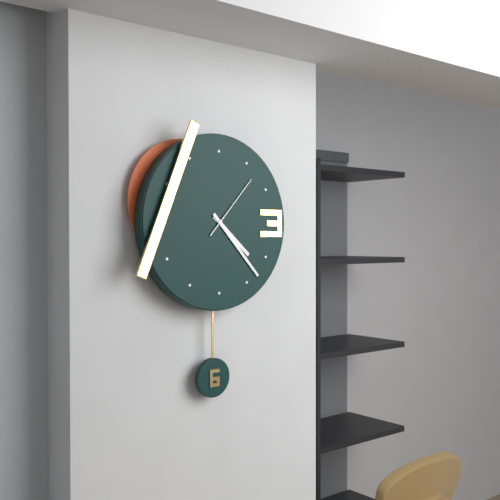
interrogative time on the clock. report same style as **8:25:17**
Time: **4:23:07**
